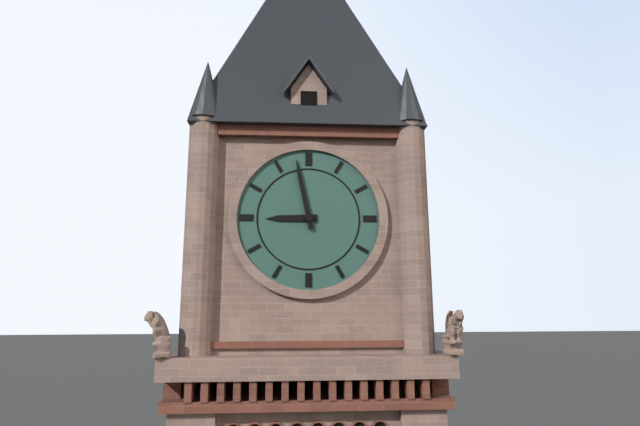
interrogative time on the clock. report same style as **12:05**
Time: **8:58**
